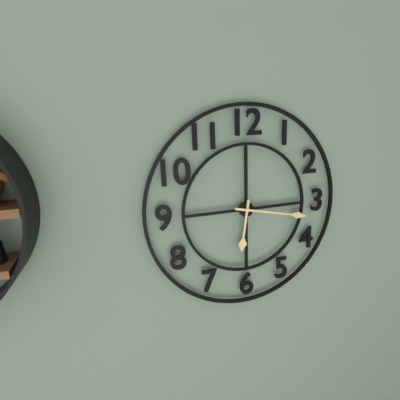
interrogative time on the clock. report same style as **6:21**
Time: **6:17**
